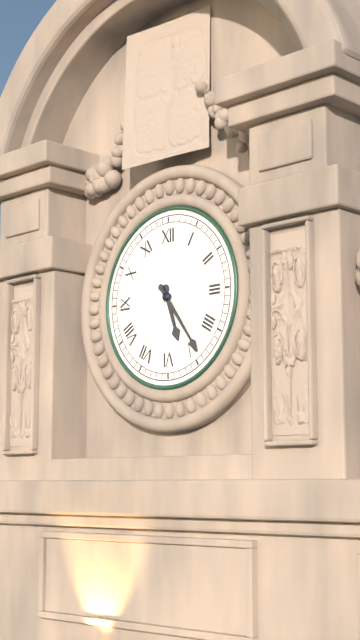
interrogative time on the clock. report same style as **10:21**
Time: **5:24**
